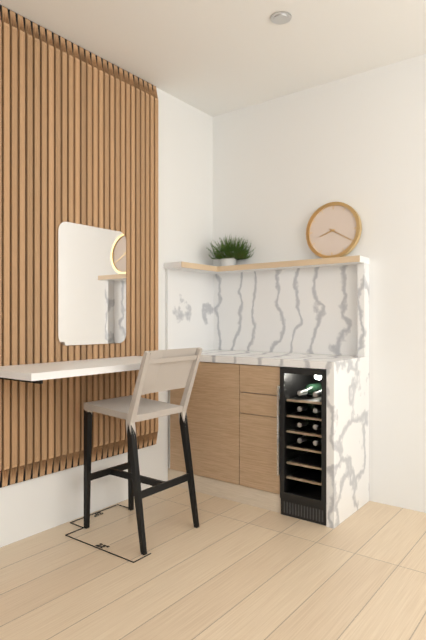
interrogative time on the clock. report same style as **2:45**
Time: **8:20**
